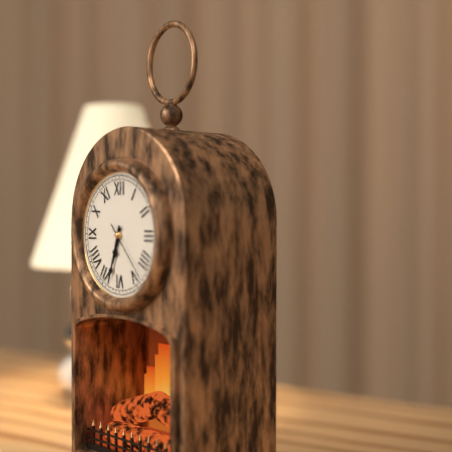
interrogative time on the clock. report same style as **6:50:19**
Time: **6:33:23**
